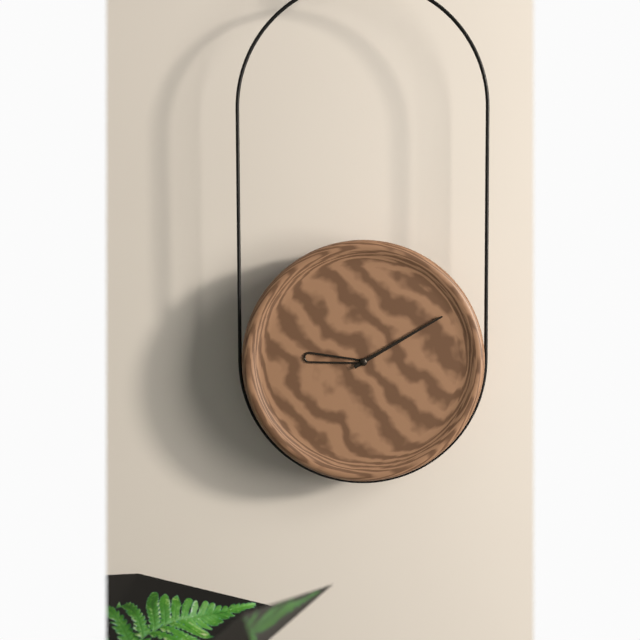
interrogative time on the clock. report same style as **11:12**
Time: **9:10**
